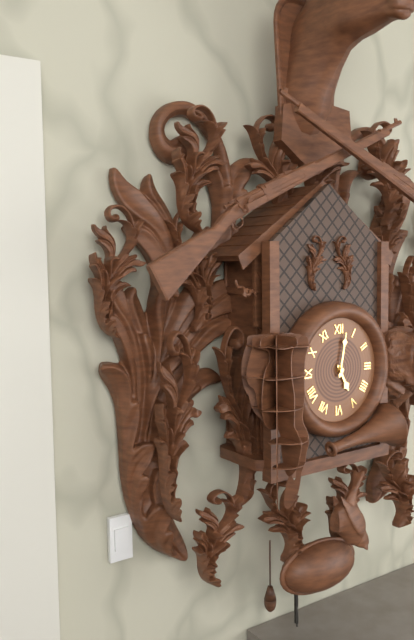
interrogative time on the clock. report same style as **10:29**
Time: **5:02**
